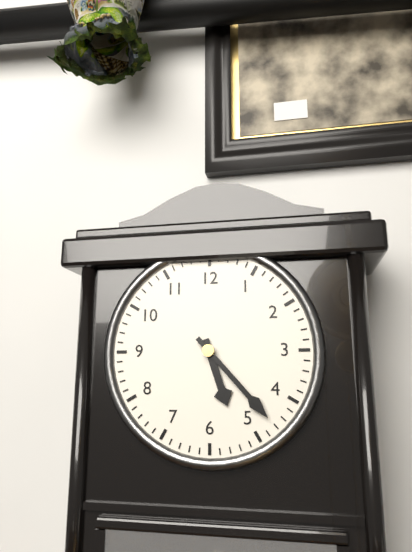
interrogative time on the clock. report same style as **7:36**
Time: **5:23**
